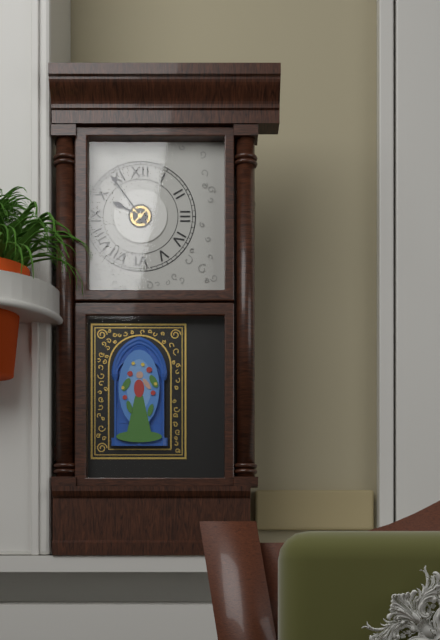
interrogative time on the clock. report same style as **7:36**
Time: **9:54**
